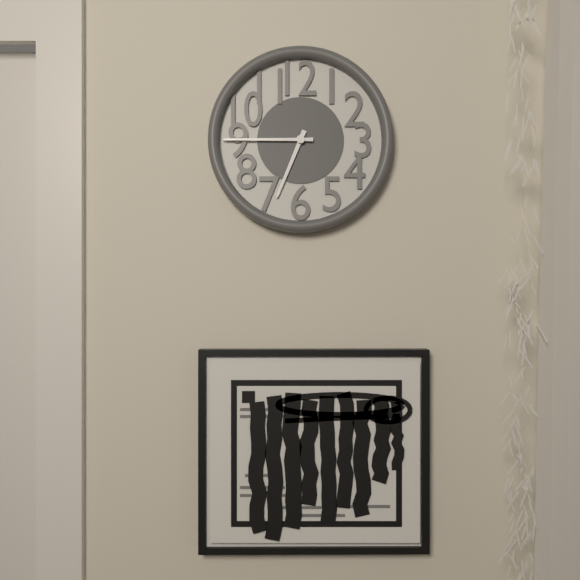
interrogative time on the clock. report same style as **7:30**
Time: **6:45**
